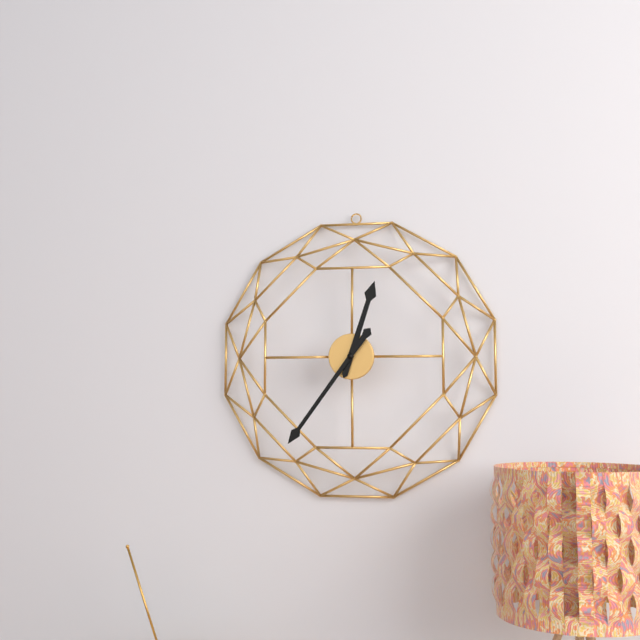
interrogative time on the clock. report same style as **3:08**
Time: **12:36**
